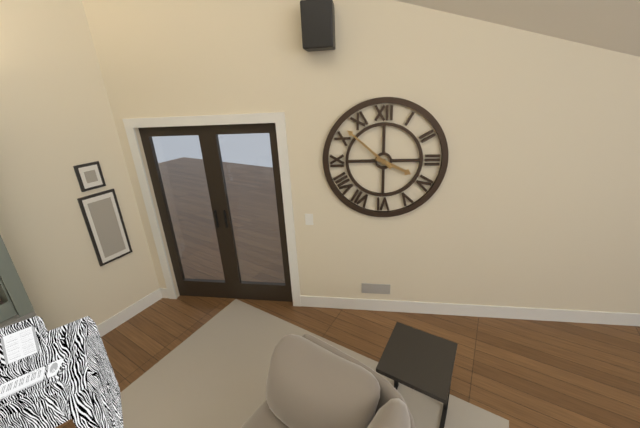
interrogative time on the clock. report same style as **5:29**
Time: **3:52**
